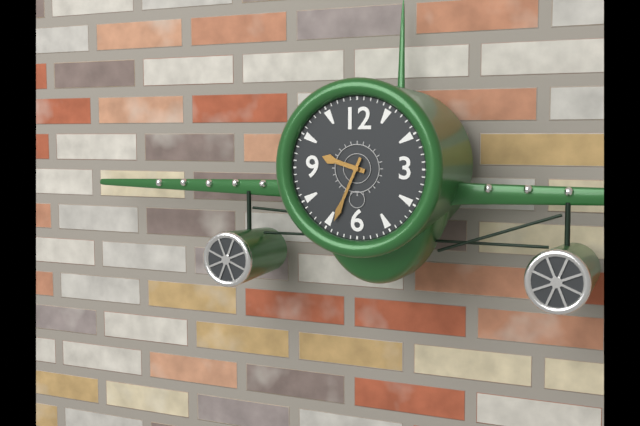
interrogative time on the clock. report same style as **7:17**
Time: **9:34**
